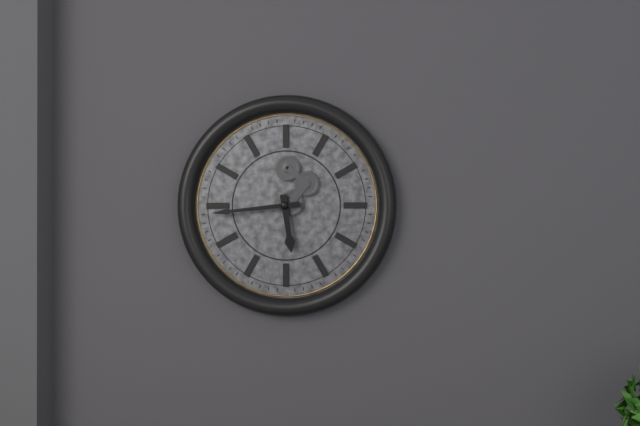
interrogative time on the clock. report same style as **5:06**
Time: **5:44**
